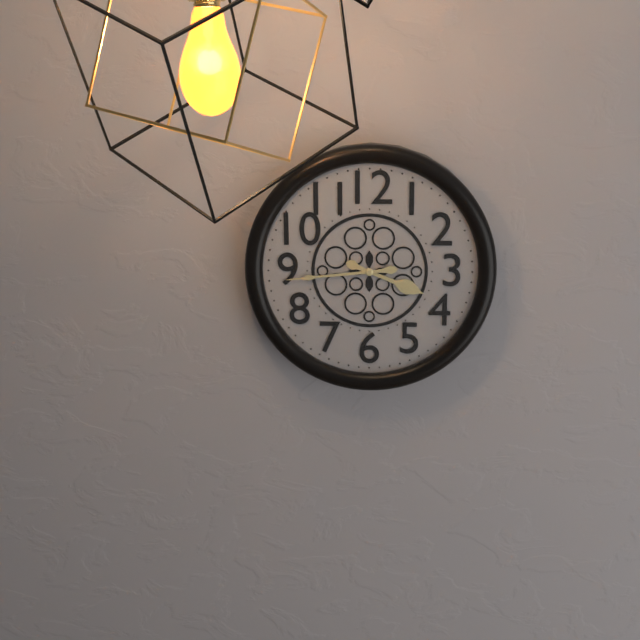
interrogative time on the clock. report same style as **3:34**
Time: **3:44**
